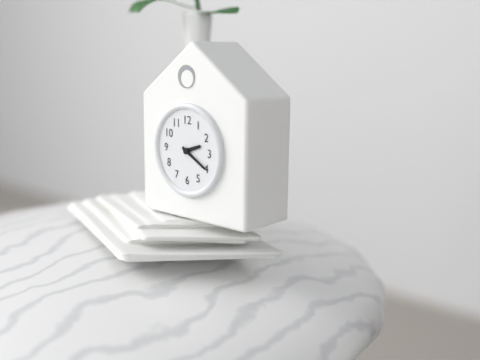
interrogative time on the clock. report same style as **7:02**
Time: **2:20**
